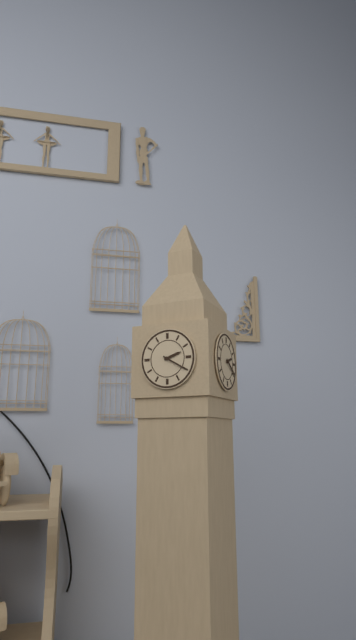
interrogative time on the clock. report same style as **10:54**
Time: **2:20**
